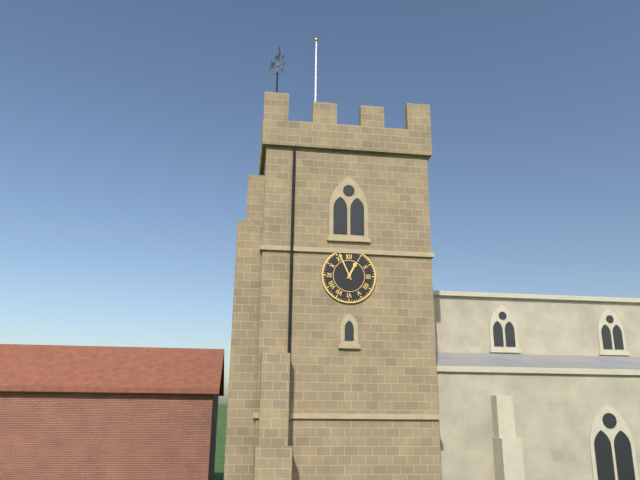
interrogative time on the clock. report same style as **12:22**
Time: **12:56**
